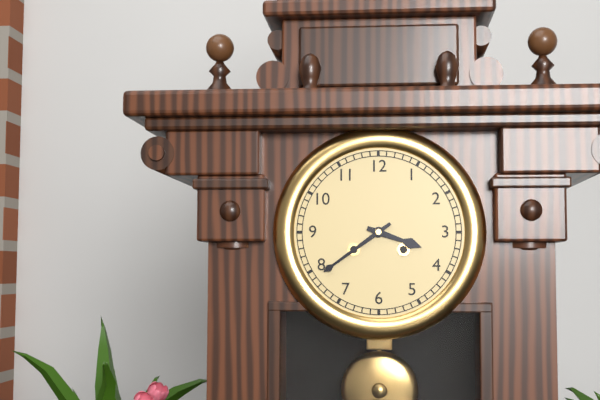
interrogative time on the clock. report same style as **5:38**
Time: **3:39**
